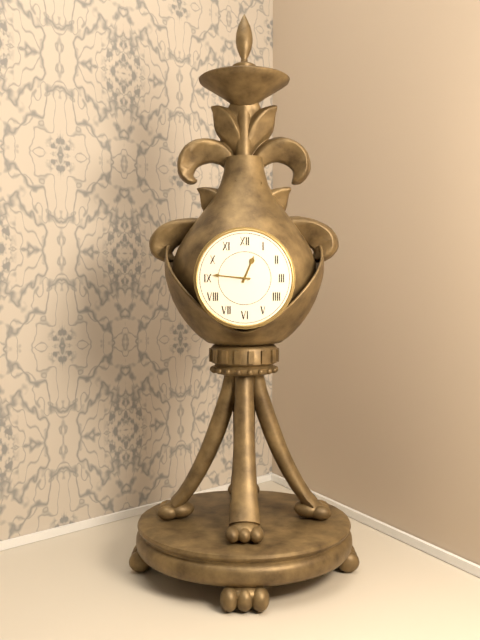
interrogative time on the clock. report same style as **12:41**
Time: **12:46**
